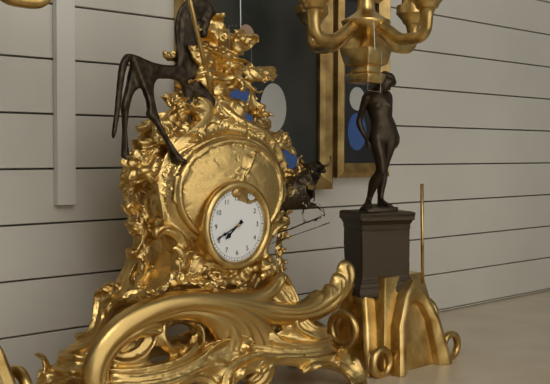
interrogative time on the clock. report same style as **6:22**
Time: **7:41**
